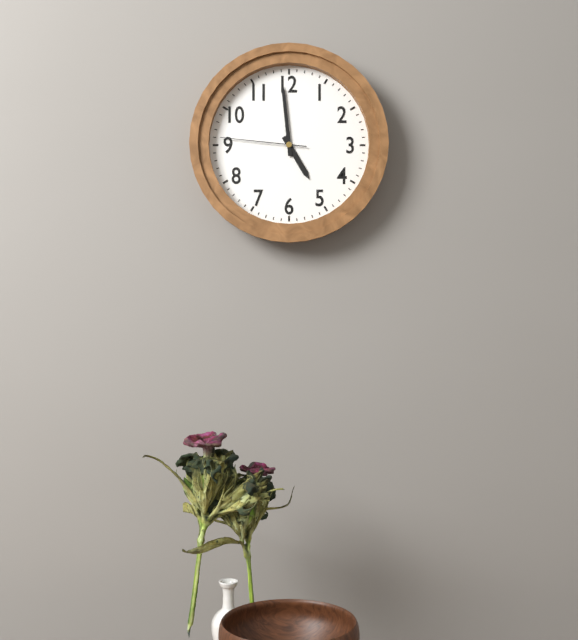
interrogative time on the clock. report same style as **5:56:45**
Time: **4:59:46**
